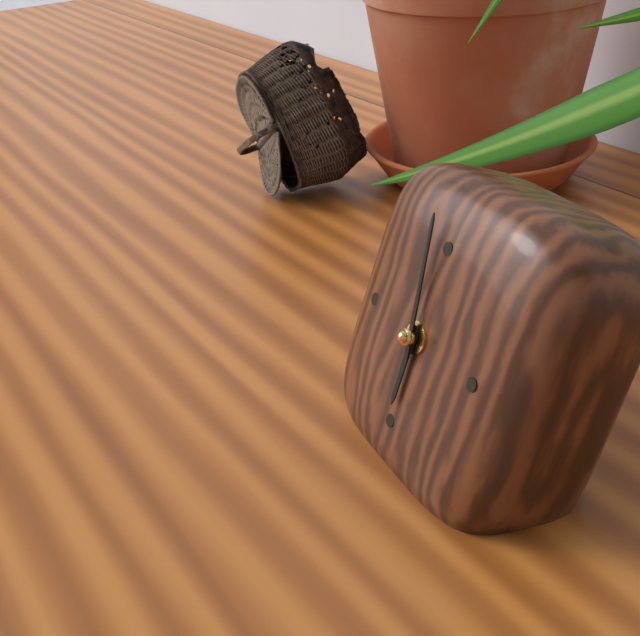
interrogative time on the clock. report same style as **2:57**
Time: **5:58**
